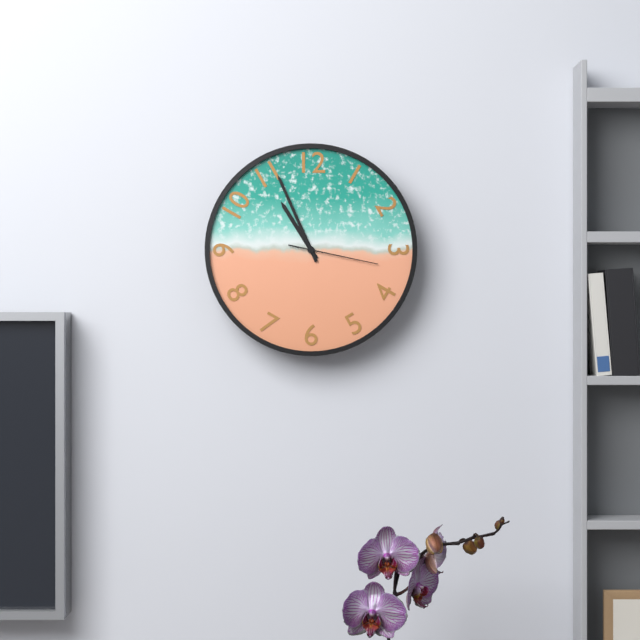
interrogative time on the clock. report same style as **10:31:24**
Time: **10:56:17**
